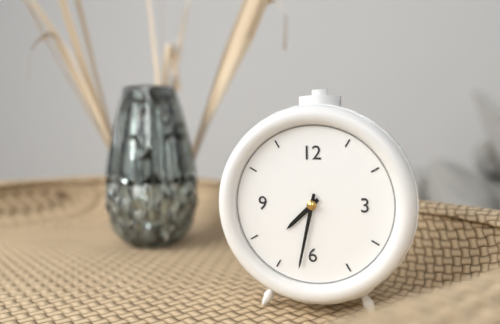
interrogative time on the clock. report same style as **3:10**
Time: **7:32**
